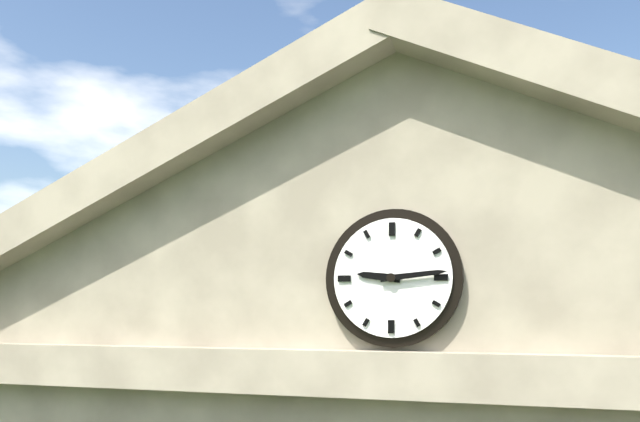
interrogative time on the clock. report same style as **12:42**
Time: **9:14**
